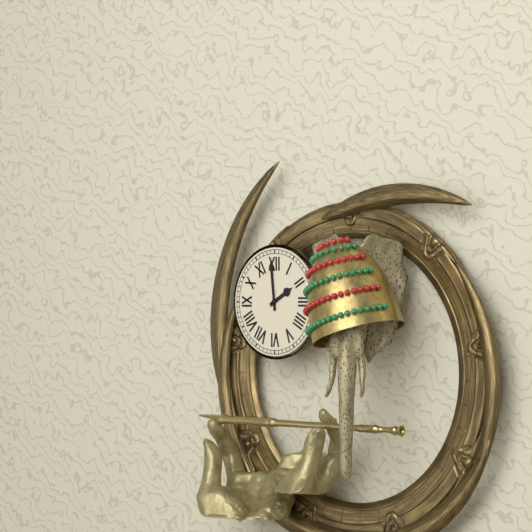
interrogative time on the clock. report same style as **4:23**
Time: **1:59**
